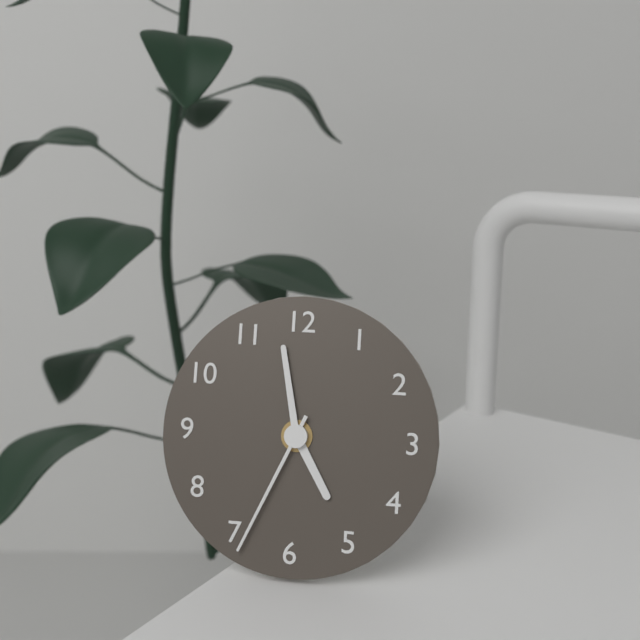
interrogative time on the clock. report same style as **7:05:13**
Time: **4:58:34**
